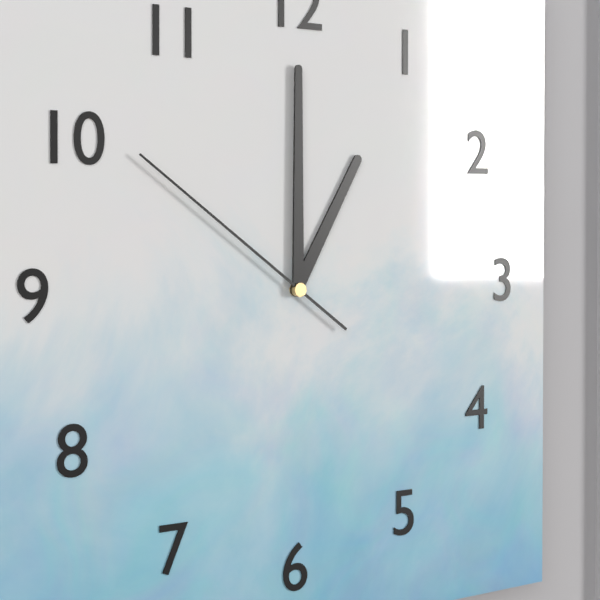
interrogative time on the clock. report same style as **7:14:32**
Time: **1:00:51**
